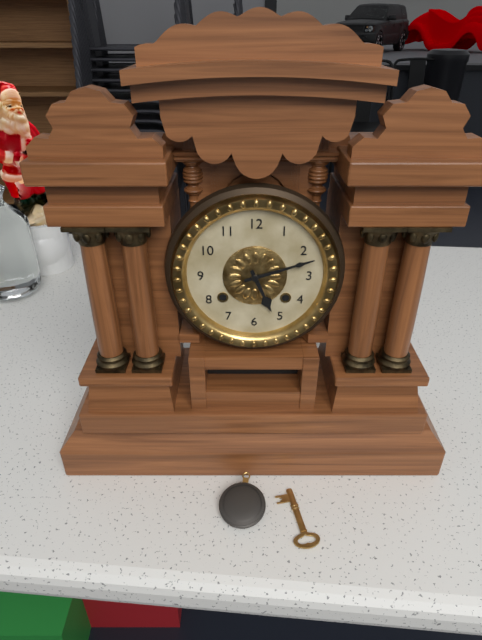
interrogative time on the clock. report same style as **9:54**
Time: **5:12**
